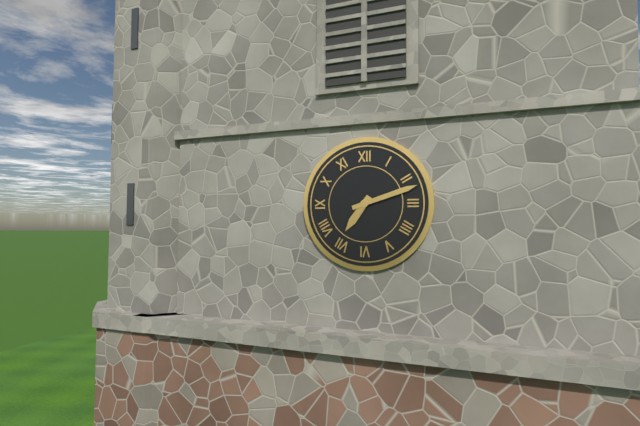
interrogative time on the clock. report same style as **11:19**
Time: **7:12**
